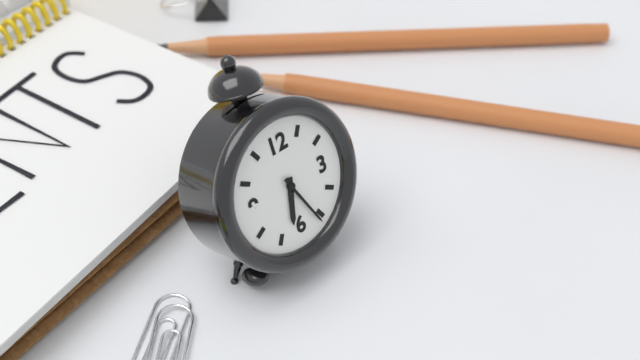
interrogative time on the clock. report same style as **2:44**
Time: **6:26**
